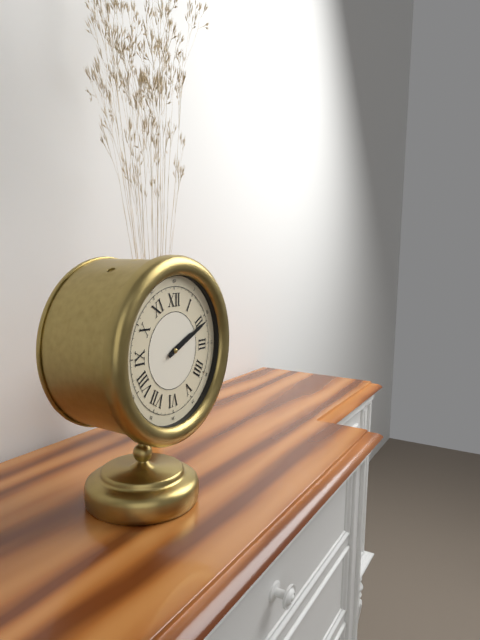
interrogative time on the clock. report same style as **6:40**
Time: **2:11**
